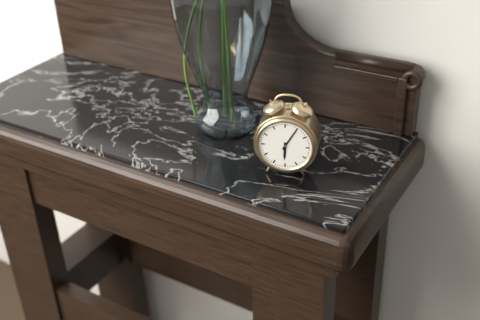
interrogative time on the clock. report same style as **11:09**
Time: **6:05**
